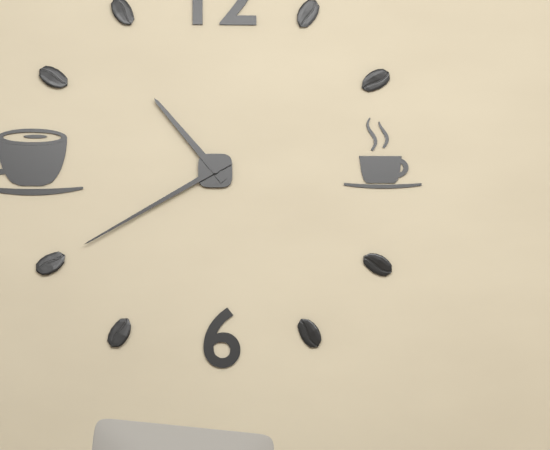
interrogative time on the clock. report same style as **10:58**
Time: **10:40**
